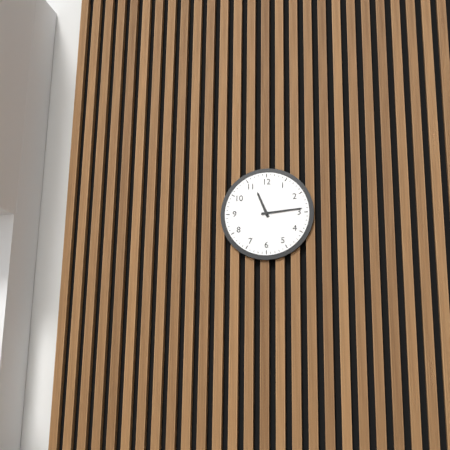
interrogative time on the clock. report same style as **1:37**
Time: **11:14**
